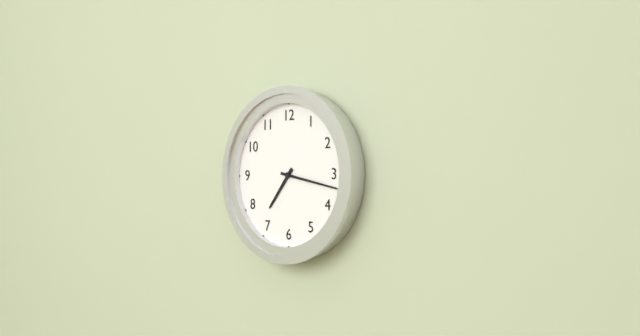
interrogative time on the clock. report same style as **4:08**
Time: **7:17**
